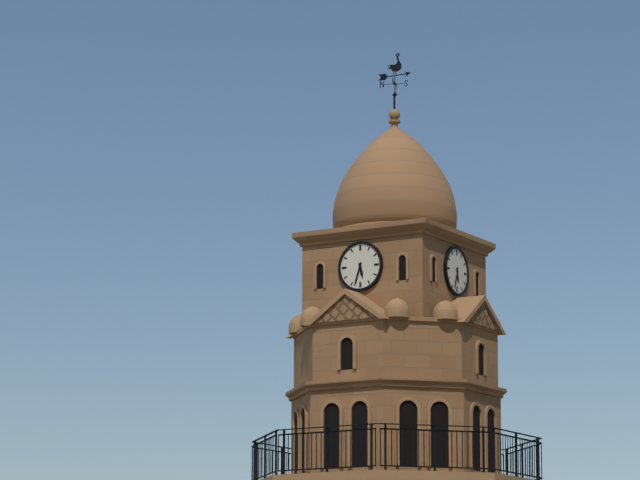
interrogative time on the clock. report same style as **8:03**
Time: **5:33**
